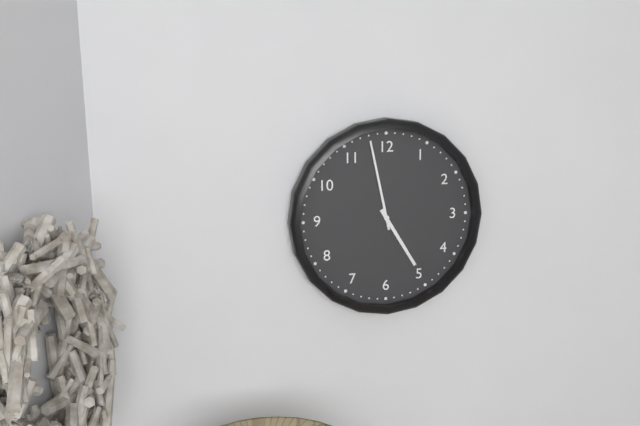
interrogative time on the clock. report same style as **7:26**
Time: **4:58**
